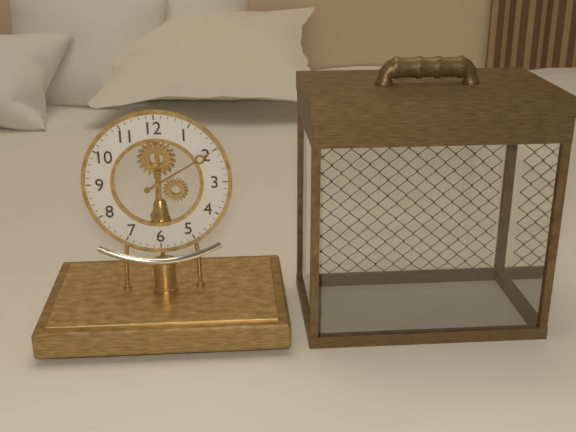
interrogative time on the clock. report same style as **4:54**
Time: **6:10**
